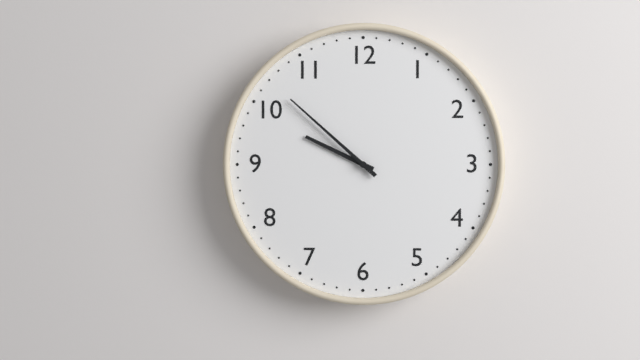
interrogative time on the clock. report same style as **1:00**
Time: **9:52**
